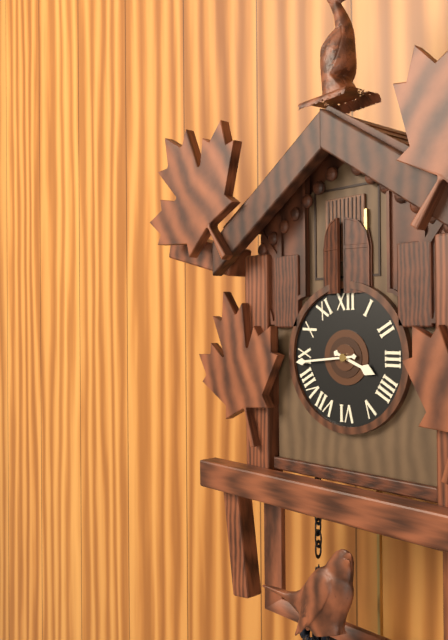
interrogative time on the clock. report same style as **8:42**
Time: **3:44**
